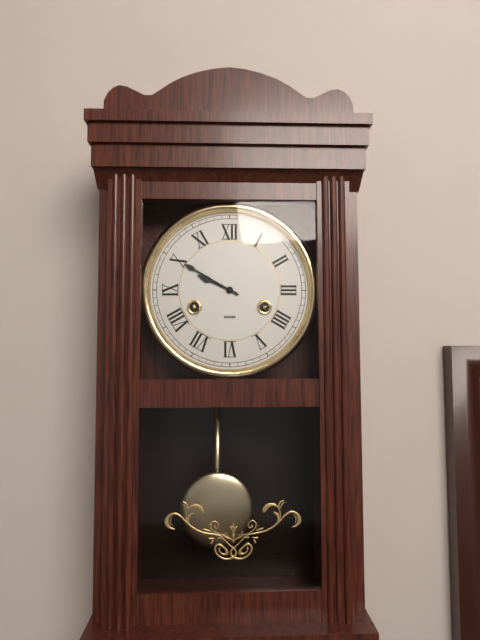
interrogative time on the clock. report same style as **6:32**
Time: **9:50**
